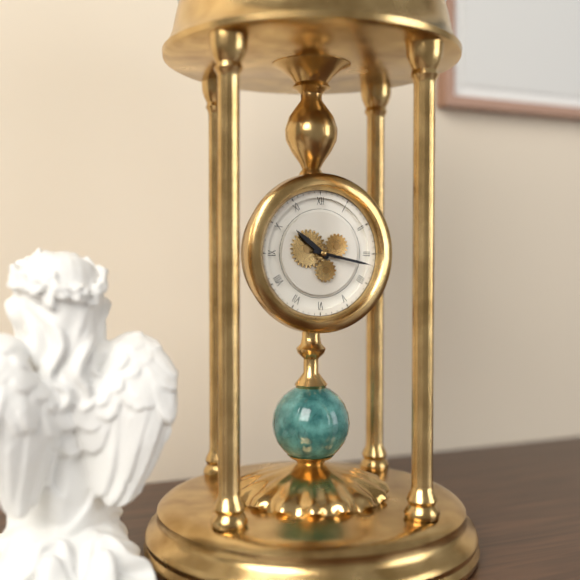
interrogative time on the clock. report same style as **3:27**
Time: **10:17**
